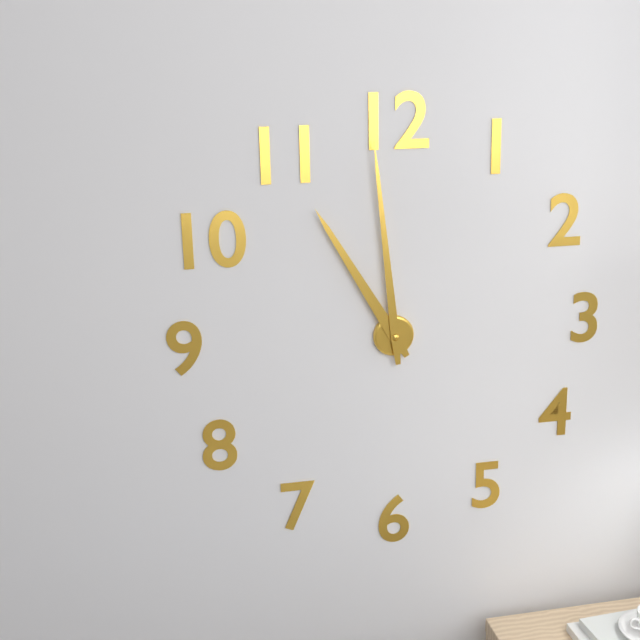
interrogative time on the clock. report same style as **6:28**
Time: **10:59**
